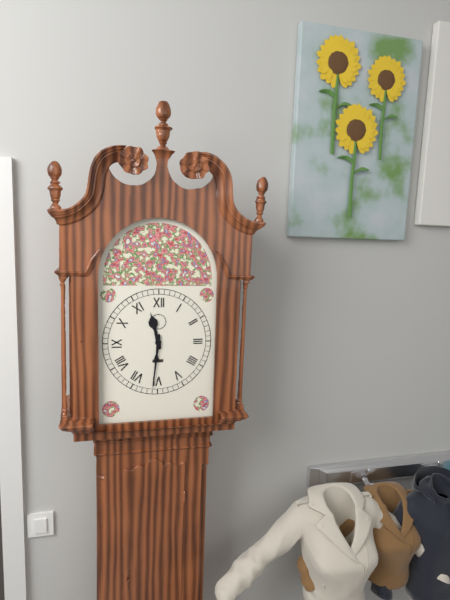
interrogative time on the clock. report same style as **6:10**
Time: **11:31**
